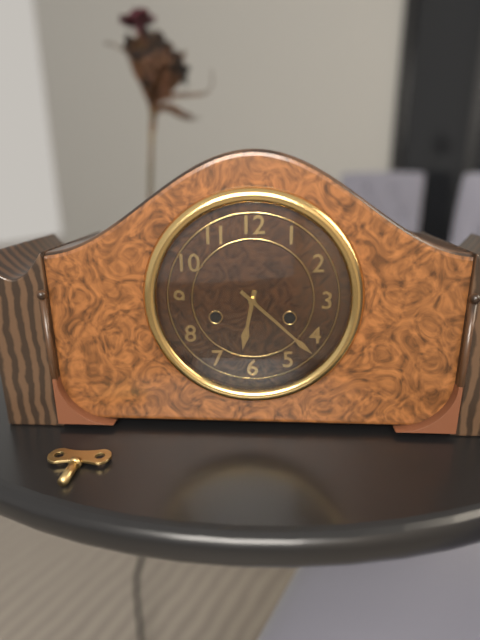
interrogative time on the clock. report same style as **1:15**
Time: **6:22**
